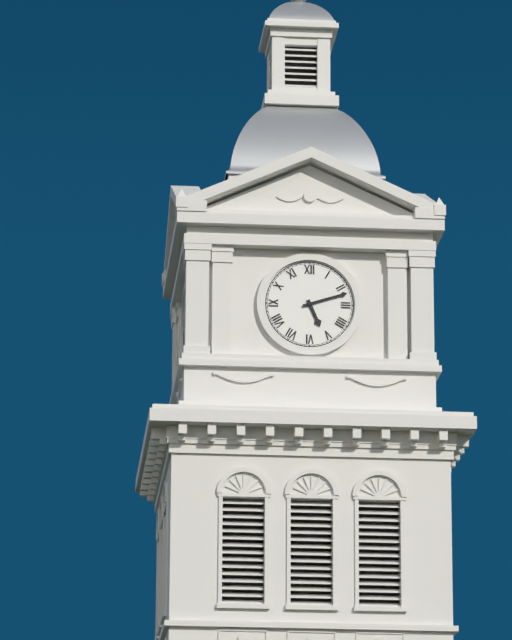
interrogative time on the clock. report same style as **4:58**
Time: **5:12**
